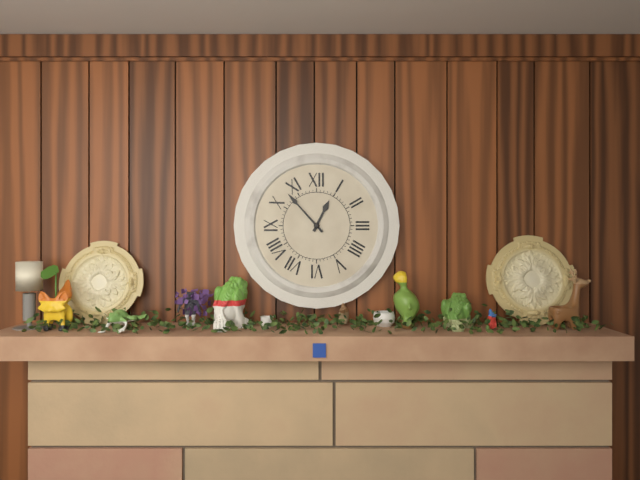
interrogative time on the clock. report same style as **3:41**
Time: **12:53**
